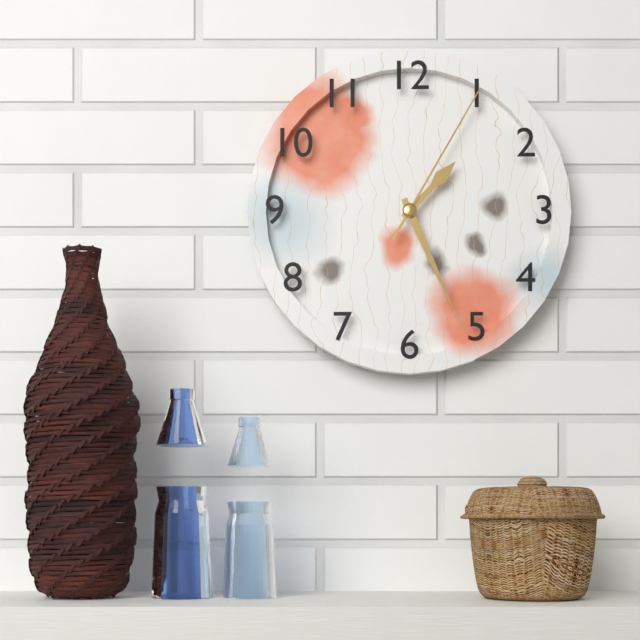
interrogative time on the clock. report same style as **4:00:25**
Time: **1:26:05**
